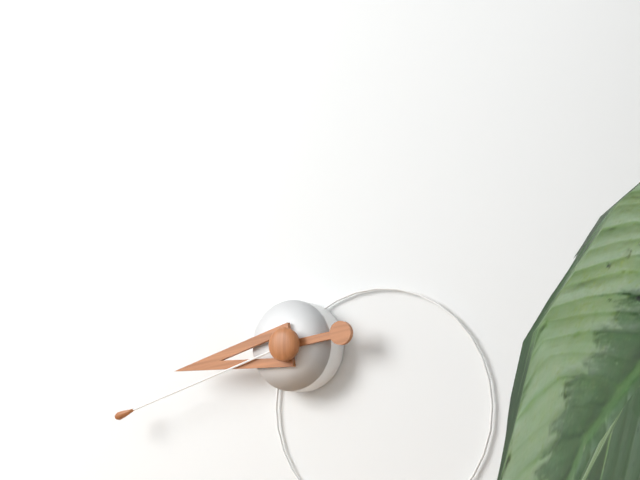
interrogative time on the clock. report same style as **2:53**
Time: **8:42**
